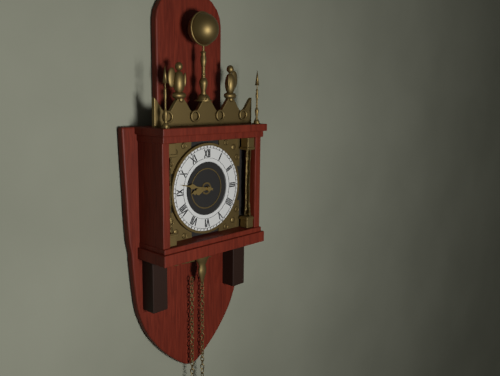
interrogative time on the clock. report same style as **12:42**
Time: **8:47**
